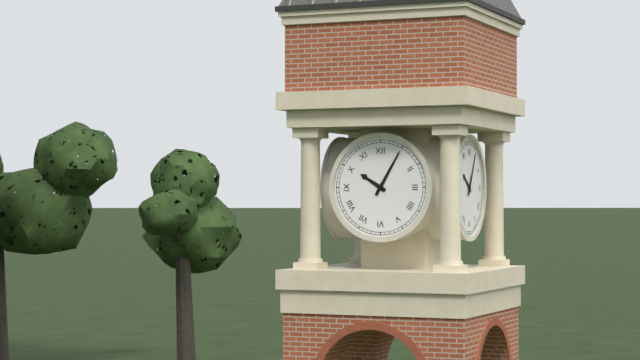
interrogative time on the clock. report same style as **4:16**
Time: **10:05**
